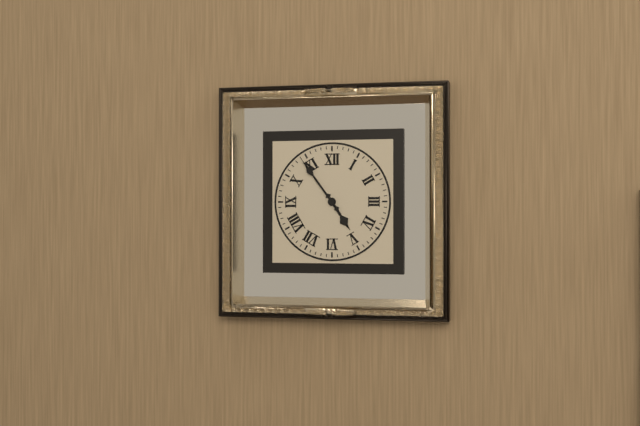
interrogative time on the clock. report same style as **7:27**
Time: **4:54**
